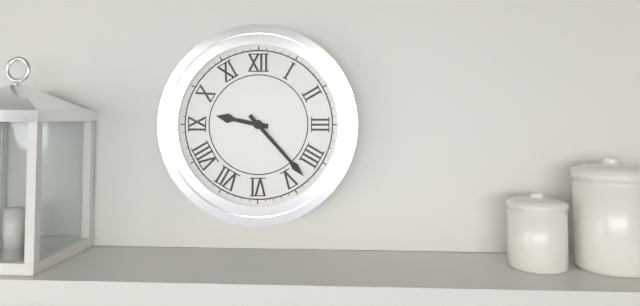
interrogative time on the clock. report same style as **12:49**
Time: **9:23**
